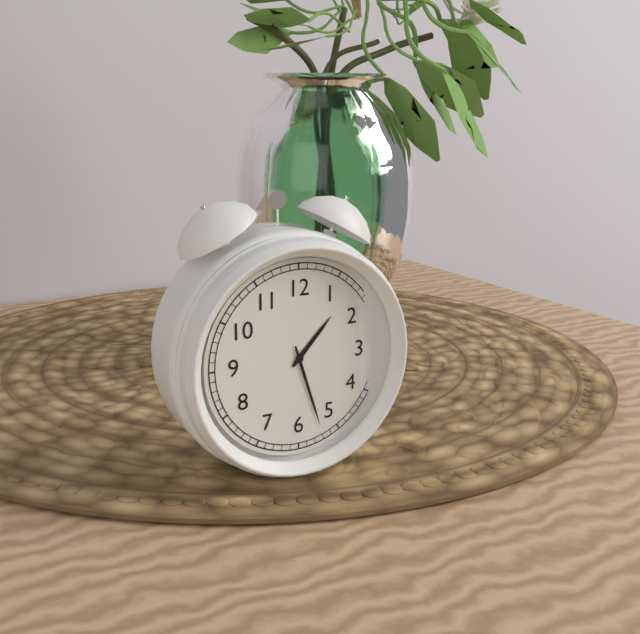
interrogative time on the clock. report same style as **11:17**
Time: **1:27**
